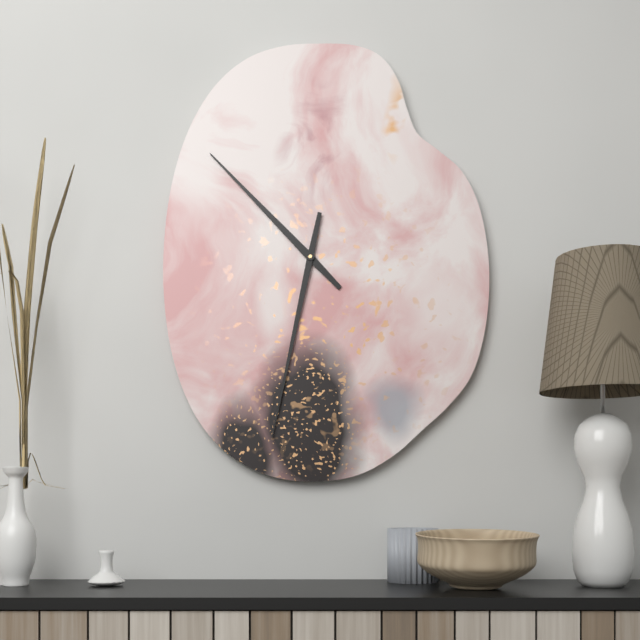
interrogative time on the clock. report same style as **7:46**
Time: **10:32**
